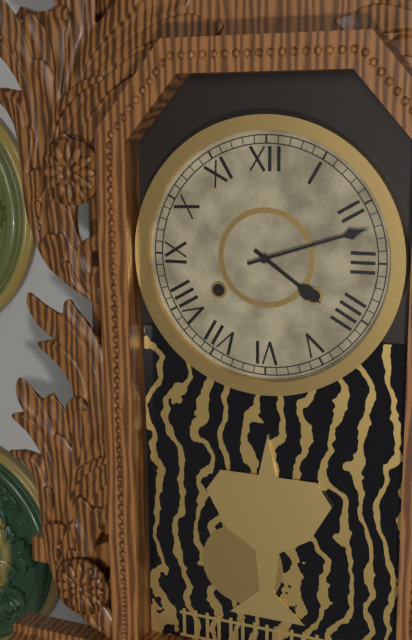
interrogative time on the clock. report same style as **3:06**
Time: **4:12**
